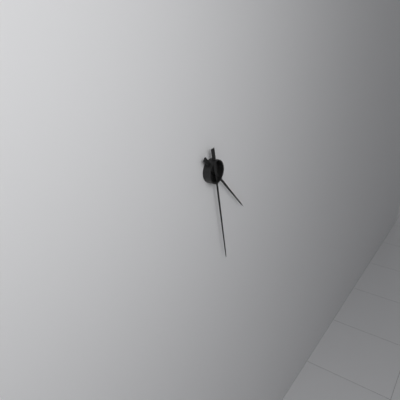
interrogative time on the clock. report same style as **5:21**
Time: **4:28**
